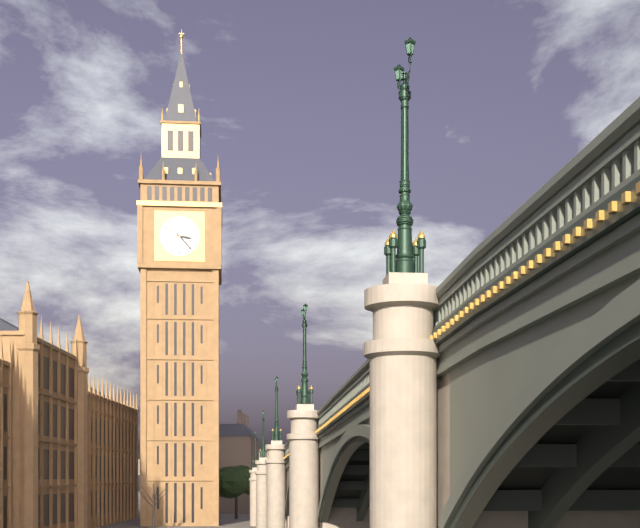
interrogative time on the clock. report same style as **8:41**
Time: **3:23**
